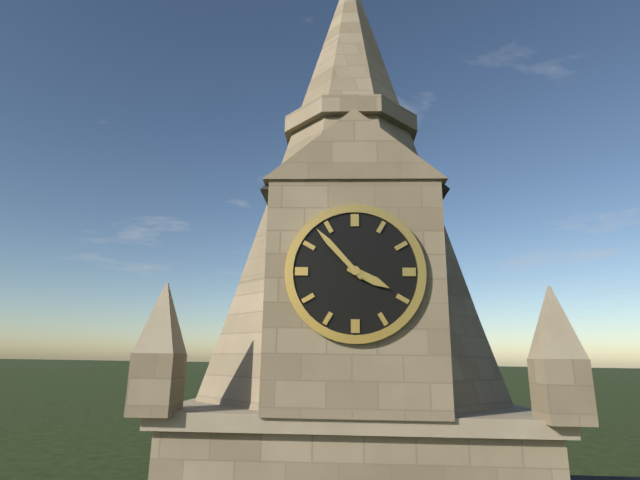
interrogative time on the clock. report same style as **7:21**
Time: **3:53**
